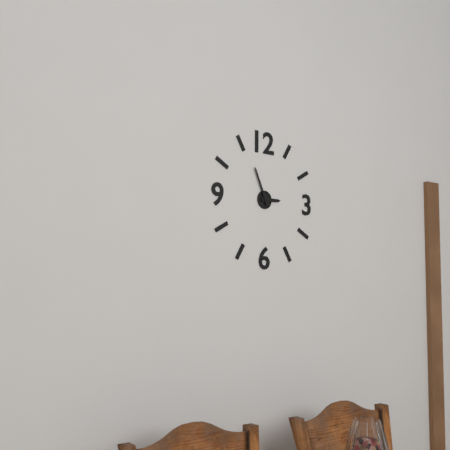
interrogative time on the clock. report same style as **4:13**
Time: **2:56**
